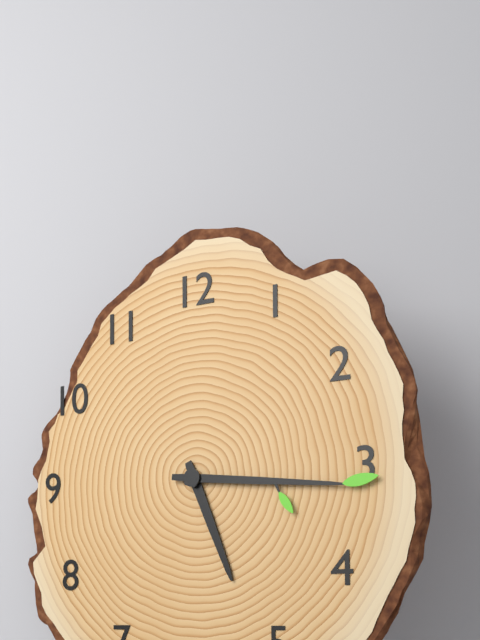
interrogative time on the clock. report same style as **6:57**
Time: **5:16**
